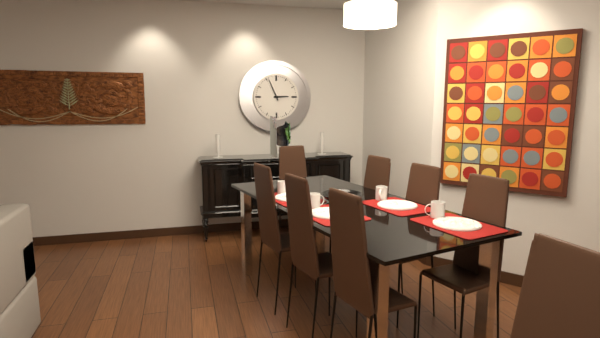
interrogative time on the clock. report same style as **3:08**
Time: **2:56**
